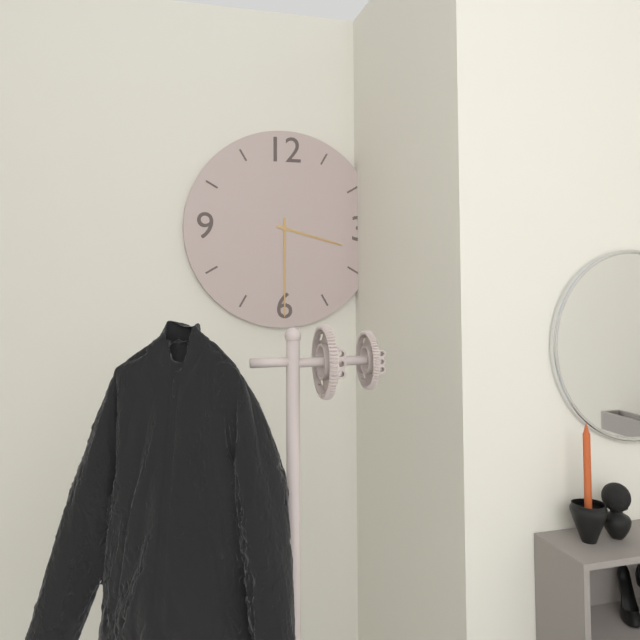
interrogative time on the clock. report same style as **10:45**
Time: **3:30**
